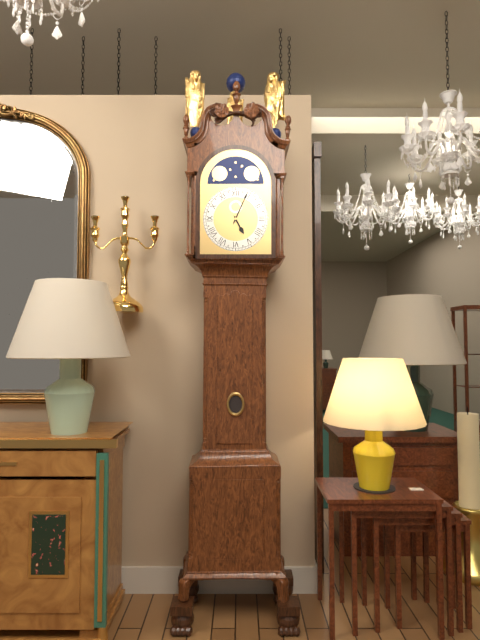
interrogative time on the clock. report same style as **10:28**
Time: **5:04**
